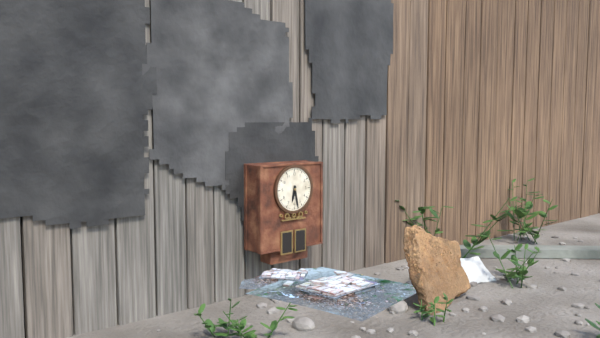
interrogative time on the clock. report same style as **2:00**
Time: **6:28**
